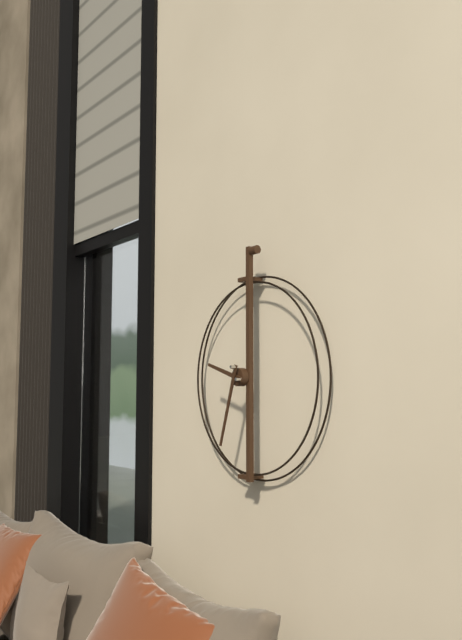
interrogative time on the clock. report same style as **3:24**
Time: **9:33**
